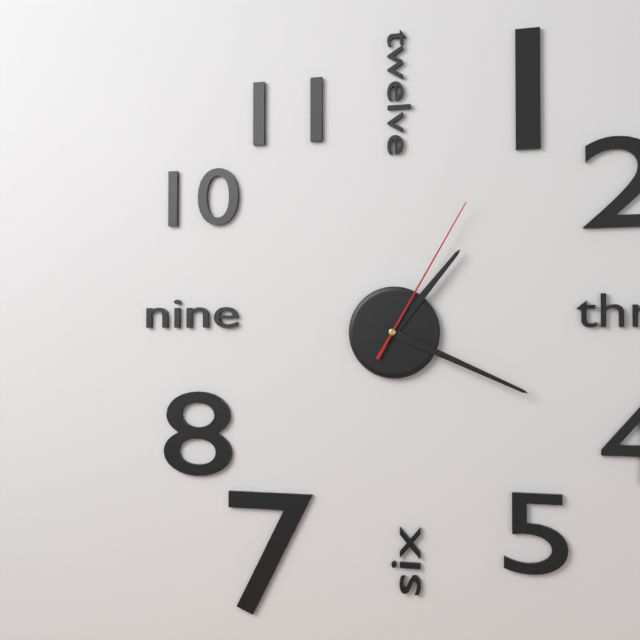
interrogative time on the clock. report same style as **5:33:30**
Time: **1:19:05**
